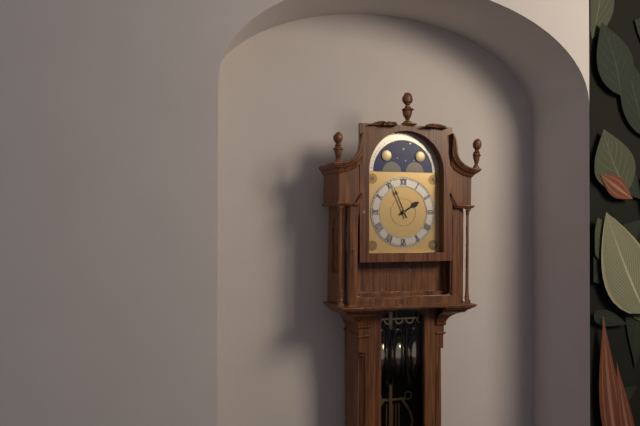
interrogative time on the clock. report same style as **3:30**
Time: **1:56**
